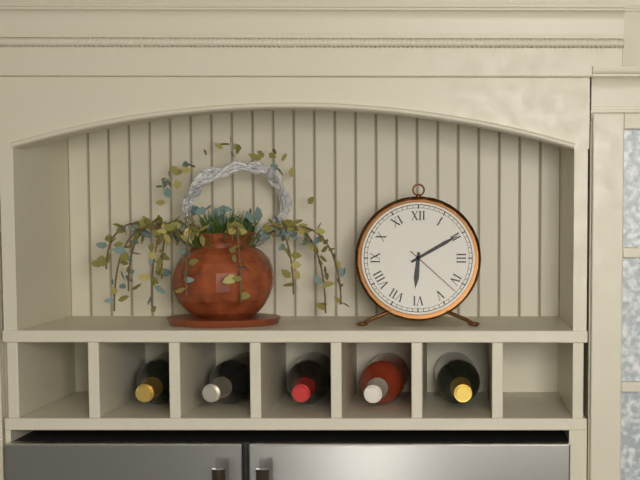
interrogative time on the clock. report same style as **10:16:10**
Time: **6:10:22**
